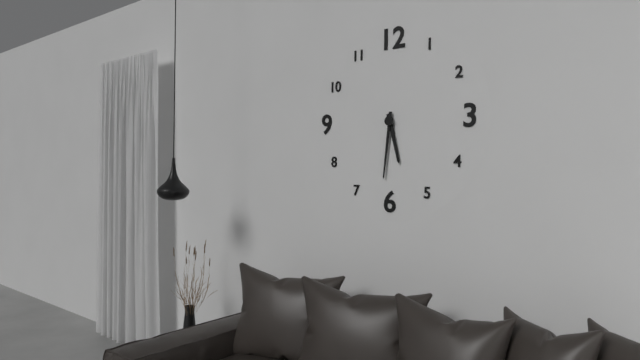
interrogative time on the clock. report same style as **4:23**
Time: **5:31**
